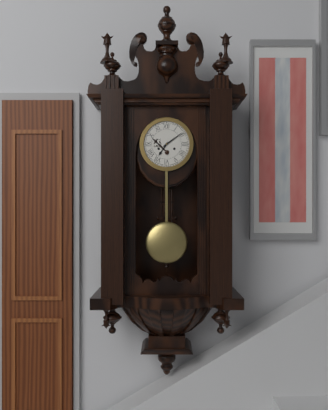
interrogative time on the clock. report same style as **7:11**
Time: **7:09**
